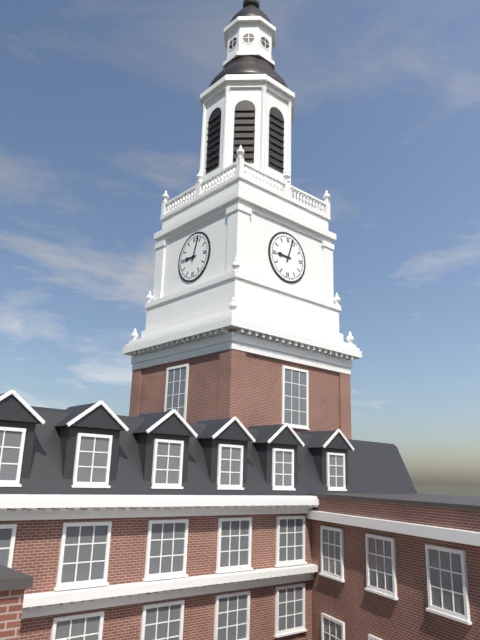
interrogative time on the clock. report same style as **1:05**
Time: **9:03**
